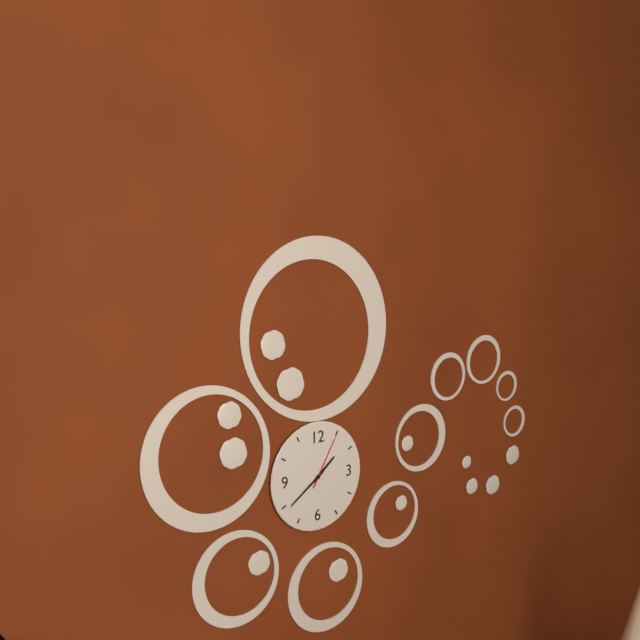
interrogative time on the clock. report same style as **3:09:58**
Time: **1:39:05**
